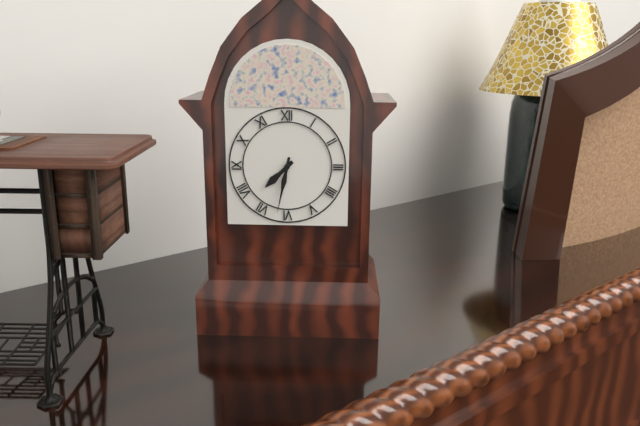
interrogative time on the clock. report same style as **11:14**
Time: **7:32**
